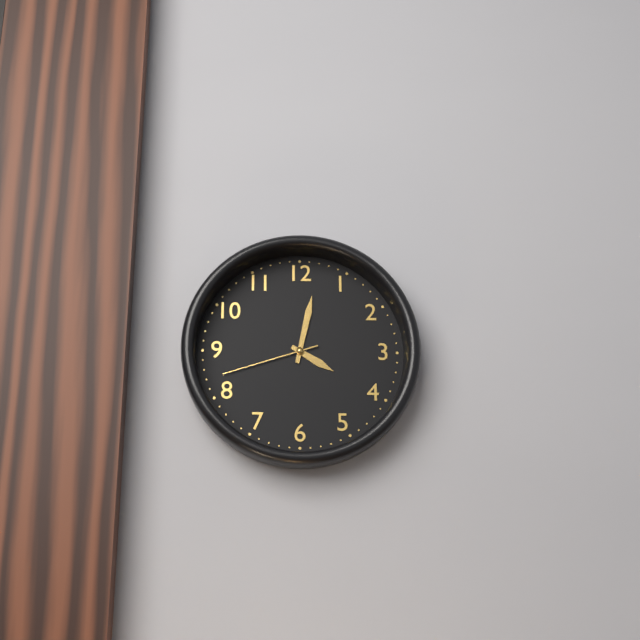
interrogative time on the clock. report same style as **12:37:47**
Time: **4:02:42**
